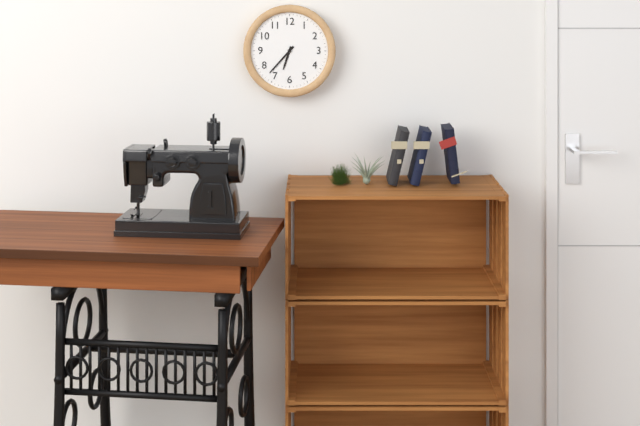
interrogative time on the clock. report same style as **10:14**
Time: **6:37**
